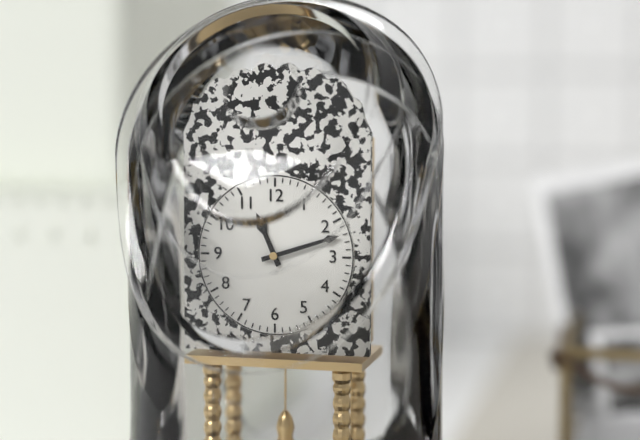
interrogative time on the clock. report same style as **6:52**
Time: **11:12**
